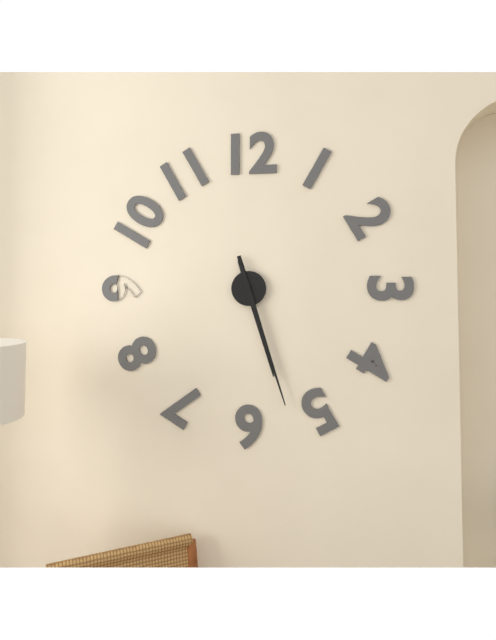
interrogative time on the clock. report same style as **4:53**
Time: **5:27**
